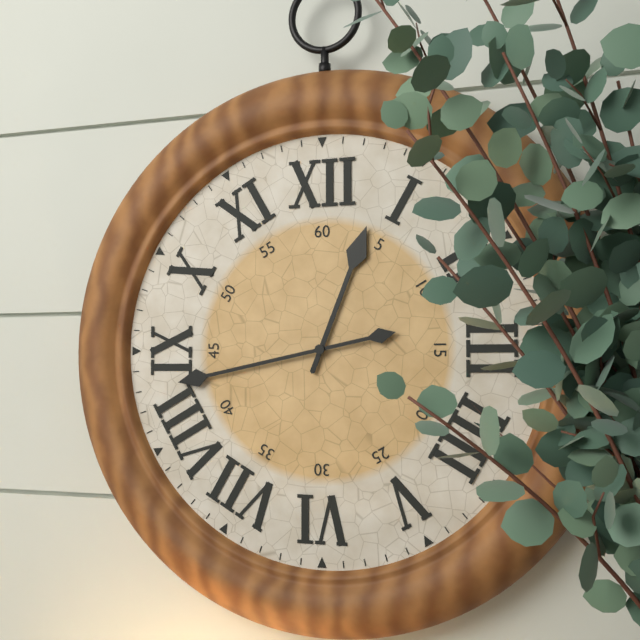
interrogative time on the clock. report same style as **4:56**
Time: **12:43**
